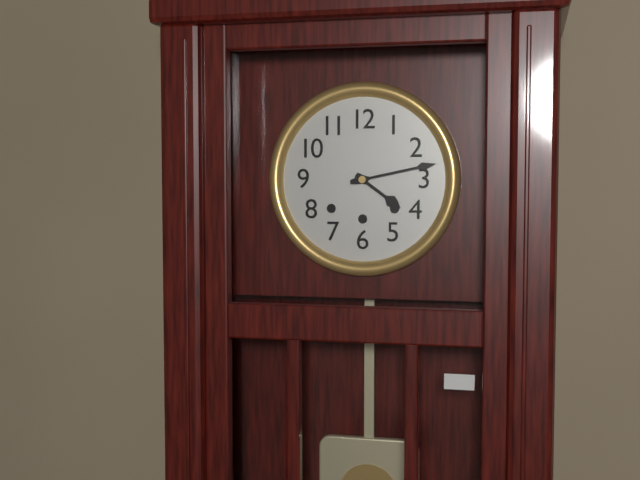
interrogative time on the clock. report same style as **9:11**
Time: **4:13**
